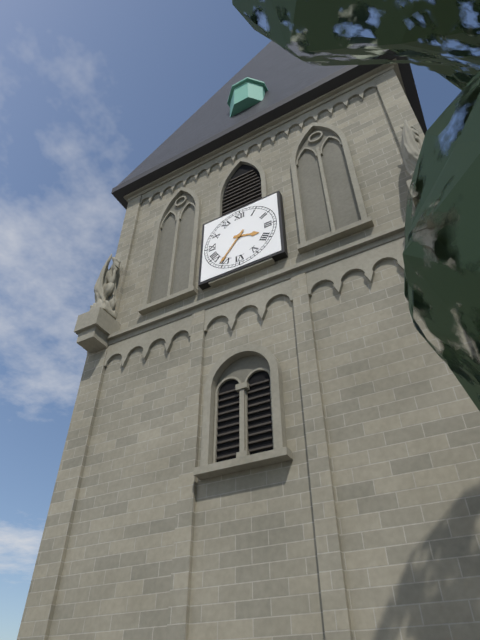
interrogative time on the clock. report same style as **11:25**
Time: **3:36**
